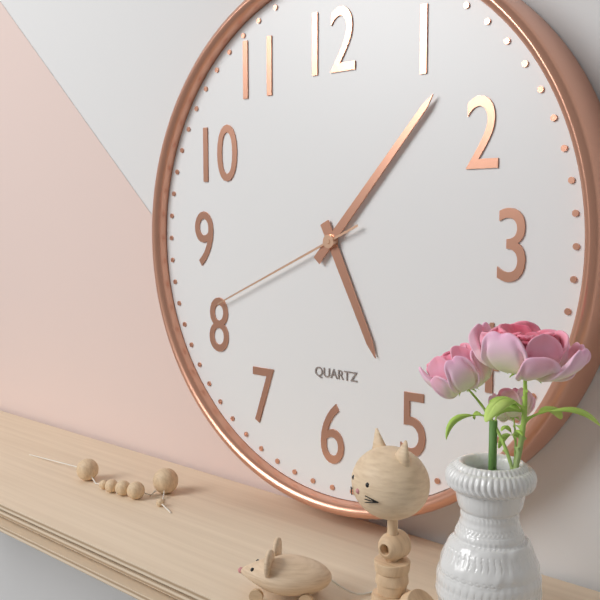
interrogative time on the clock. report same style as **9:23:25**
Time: **5:07:41**
